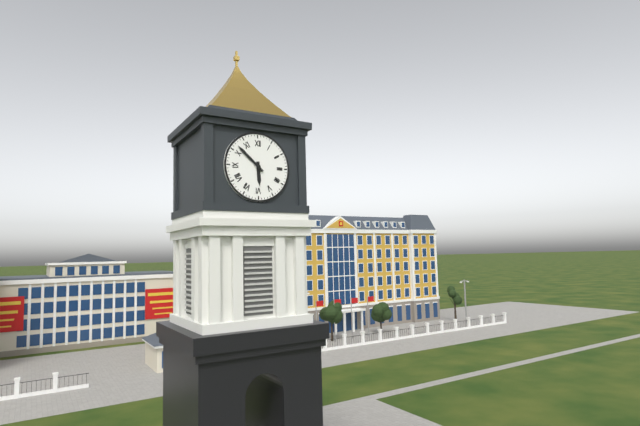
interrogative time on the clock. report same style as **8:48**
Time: **5:52**
